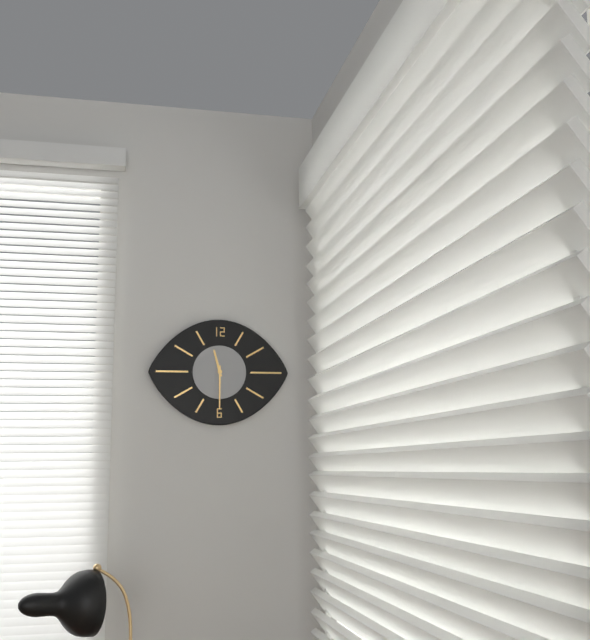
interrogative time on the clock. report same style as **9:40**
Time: **11:30**
